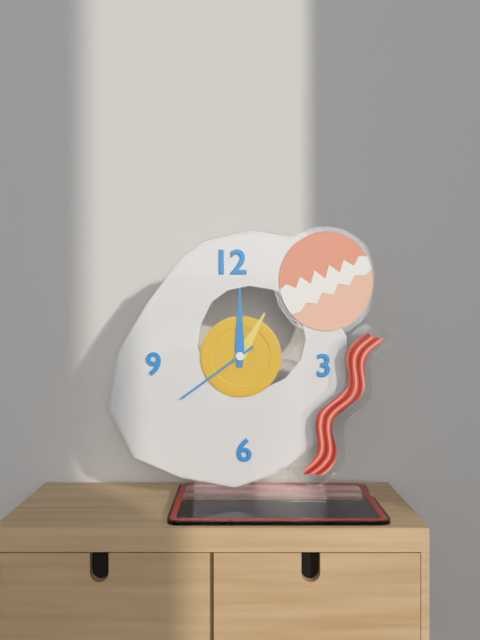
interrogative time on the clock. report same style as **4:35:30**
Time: **1:00:39**
